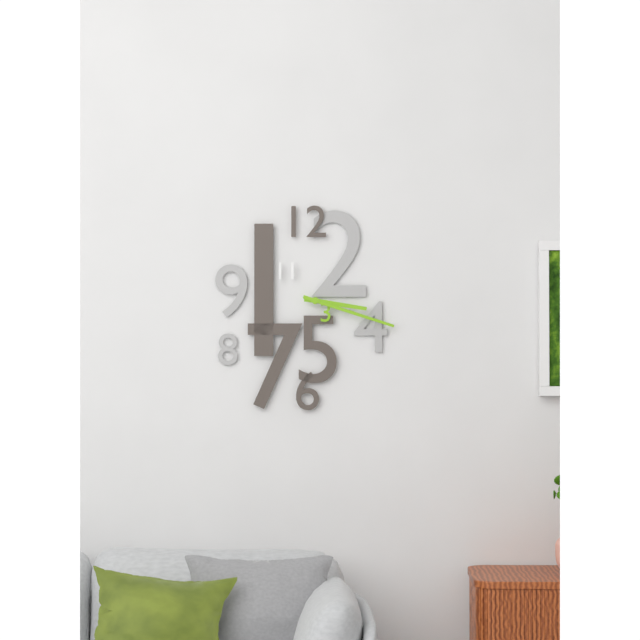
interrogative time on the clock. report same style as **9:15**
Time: **3:18**
